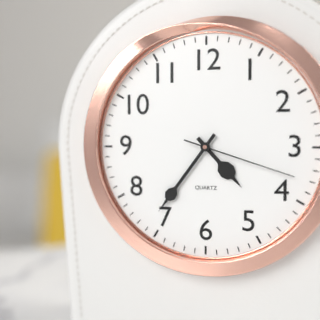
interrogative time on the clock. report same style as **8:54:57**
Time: **4:36:18**
